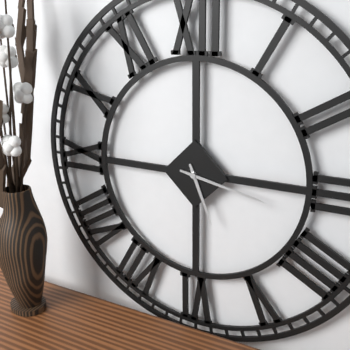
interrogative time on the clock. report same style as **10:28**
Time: **5:17**
